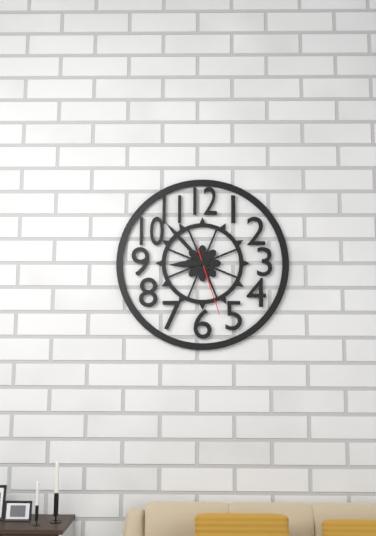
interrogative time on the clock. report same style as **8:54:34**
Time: **8:53:27**
